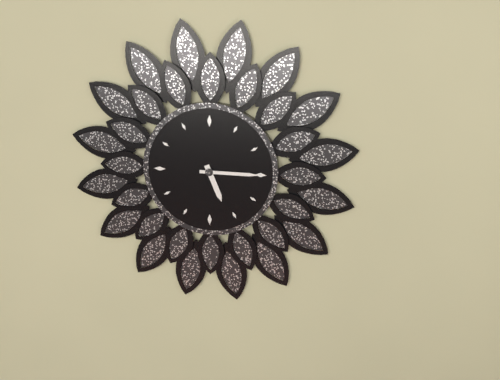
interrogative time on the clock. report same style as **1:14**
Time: **5:15**
